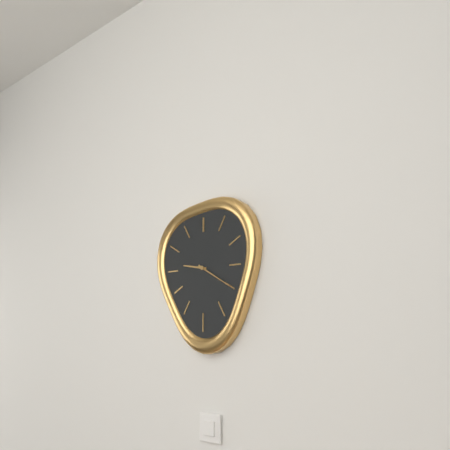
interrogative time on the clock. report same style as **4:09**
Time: **9:20**
